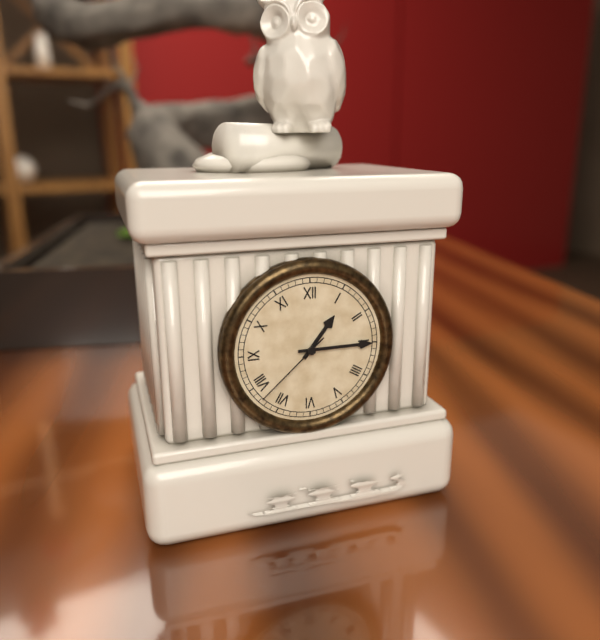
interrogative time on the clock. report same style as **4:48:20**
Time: **1:15:38**
